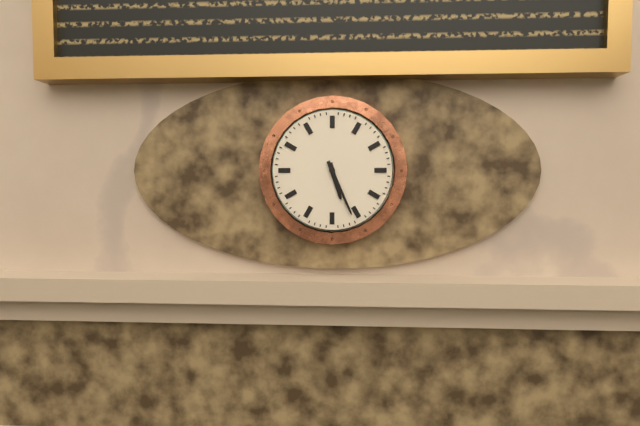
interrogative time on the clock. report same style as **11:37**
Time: **5:26**
